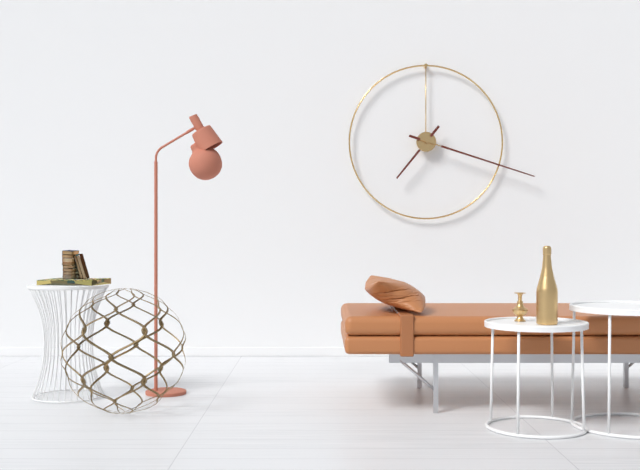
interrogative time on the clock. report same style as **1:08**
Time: **7:18**
